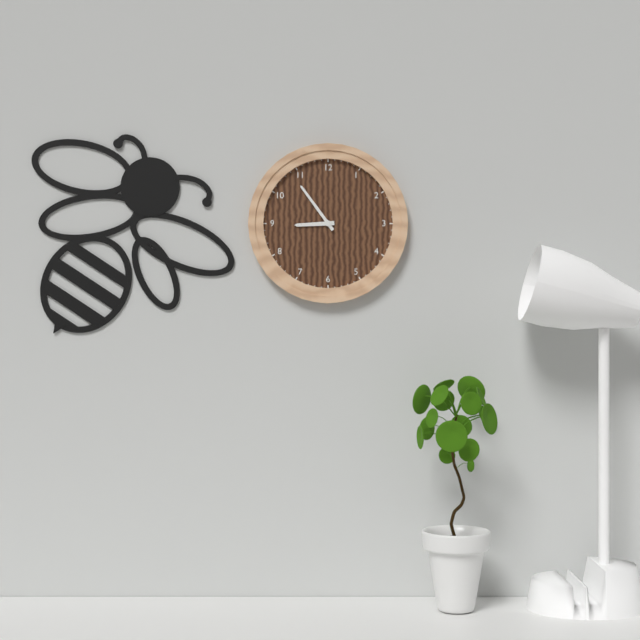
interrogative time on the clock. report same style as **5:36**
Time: **8:54**
